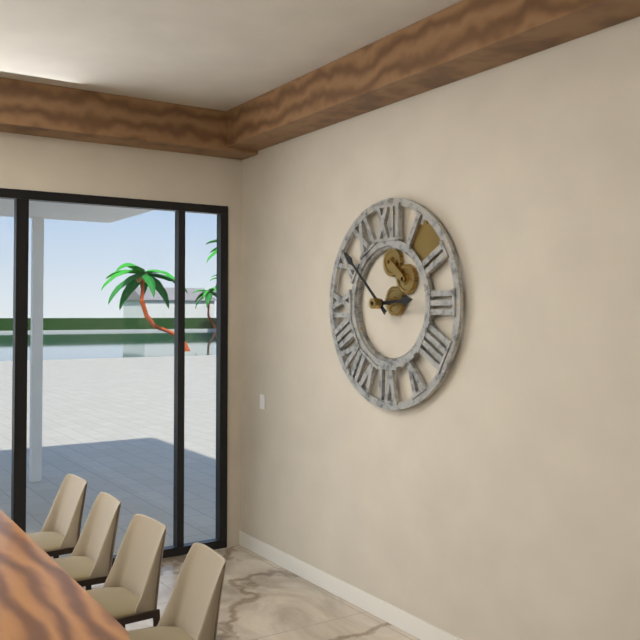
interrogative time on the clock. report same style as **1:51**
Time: **2:52**
